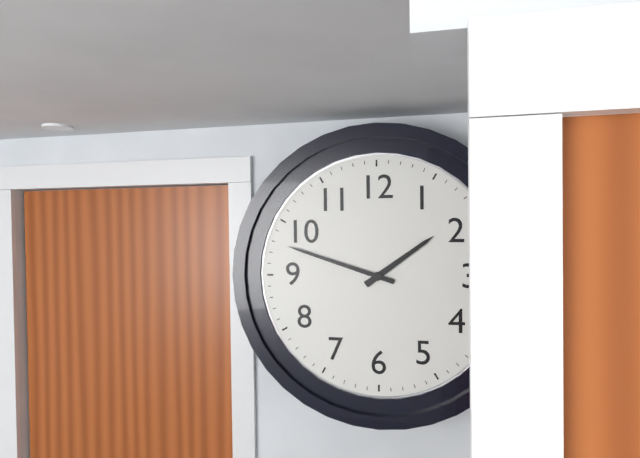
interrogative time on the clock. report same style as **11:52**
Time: **1:48**
